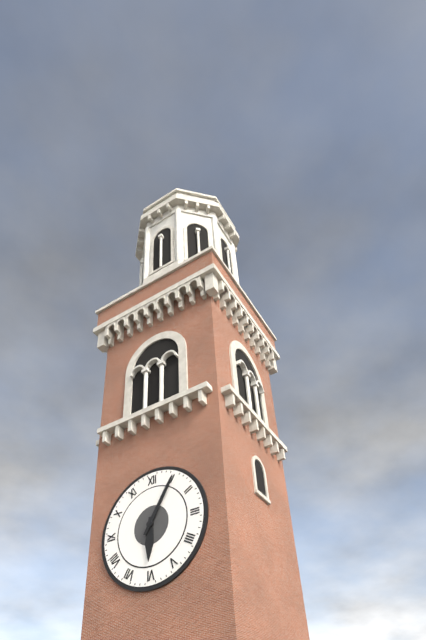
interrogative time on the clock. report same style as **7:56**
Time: **6:05**
